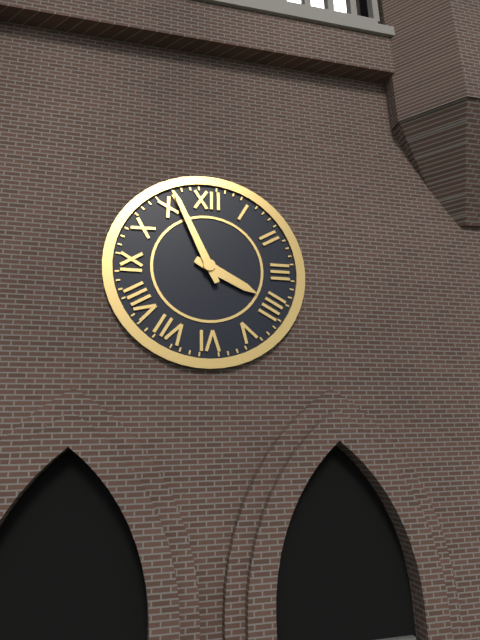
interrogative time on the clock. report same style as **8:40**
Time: **3:56**
